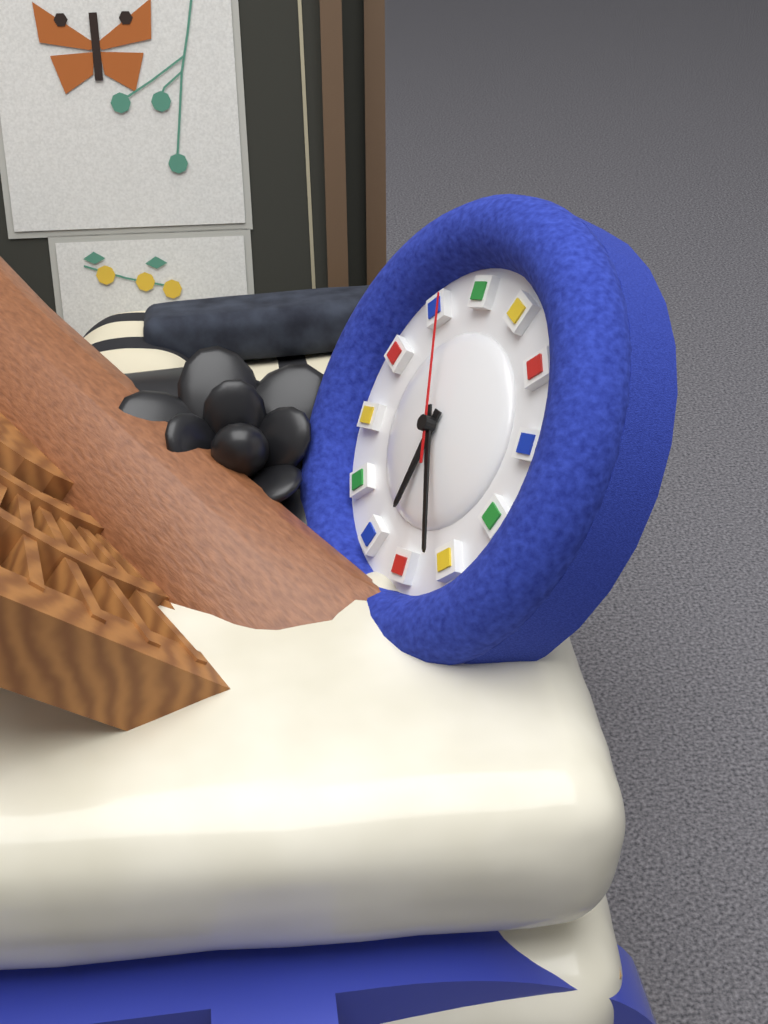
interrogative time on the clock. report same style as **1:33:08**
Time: **7:31:02**
